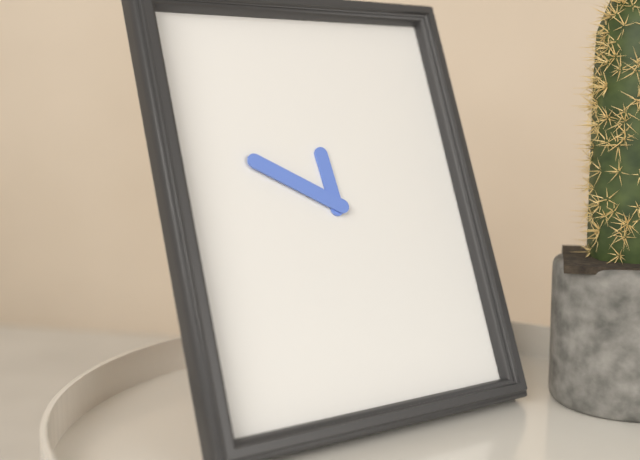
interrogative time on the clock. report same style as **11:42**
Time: **11:50**
